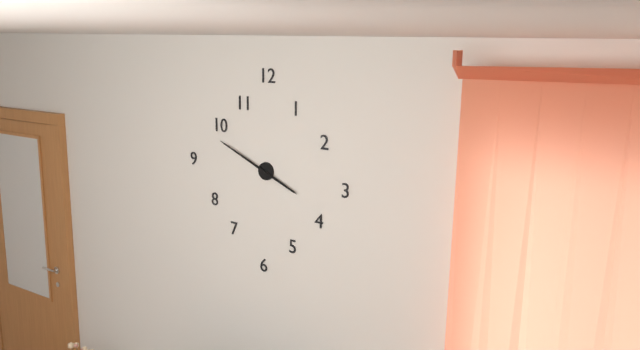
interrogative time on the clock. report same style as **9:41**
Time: **3:49**
